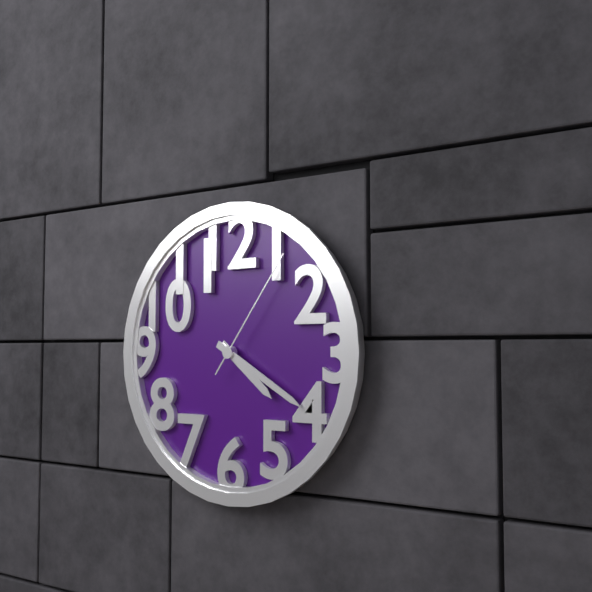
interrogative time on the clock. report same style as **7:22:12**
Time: **4:20:06**
